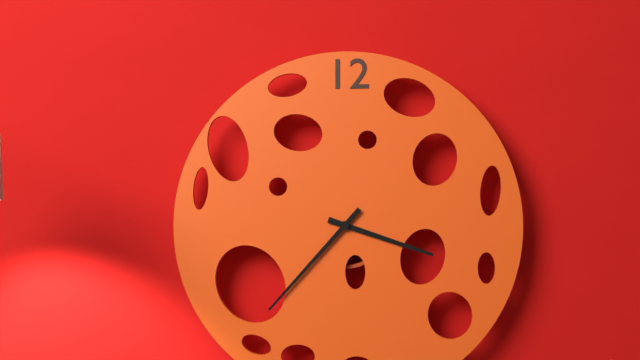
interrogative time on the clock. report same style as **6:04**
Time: **3:37**
